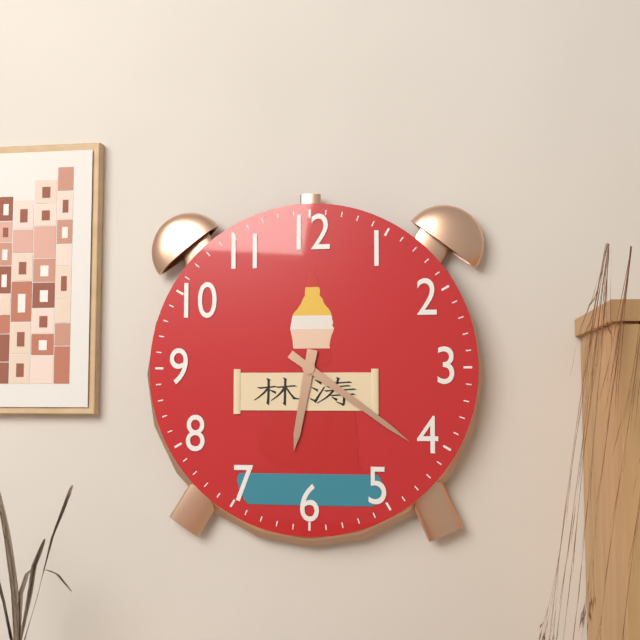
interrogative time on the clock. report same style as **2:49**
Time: **6:21**
